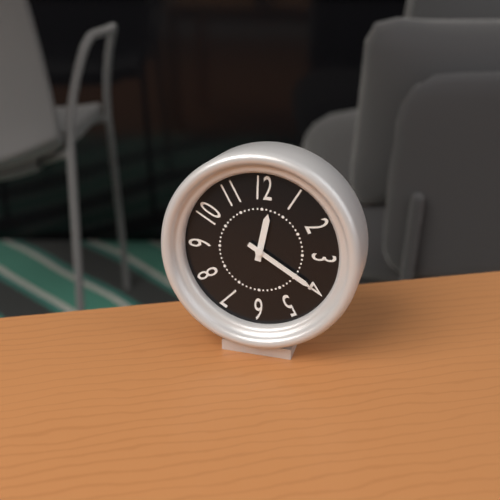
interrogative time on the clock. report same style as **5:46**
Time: **12:20**
